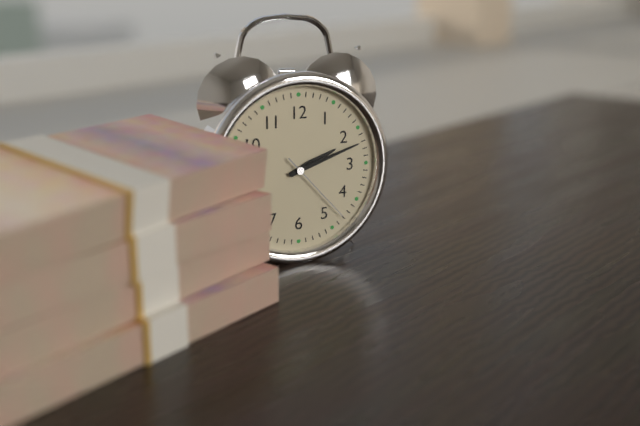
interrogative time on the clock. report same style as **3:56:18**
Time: **2:12:23**
